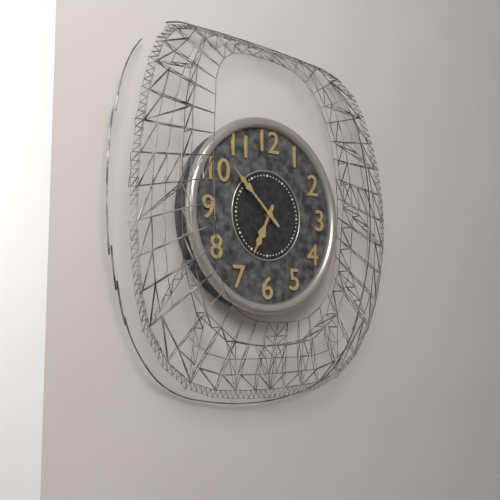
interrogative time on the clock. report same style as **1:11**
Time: **6:52**
